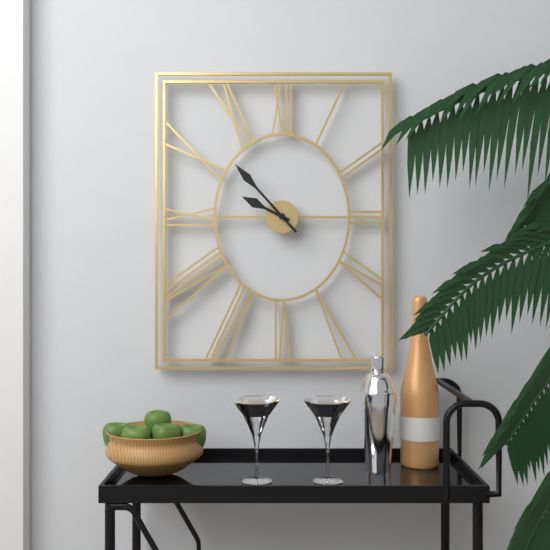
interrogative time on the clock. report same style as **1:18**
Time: **9:53**
